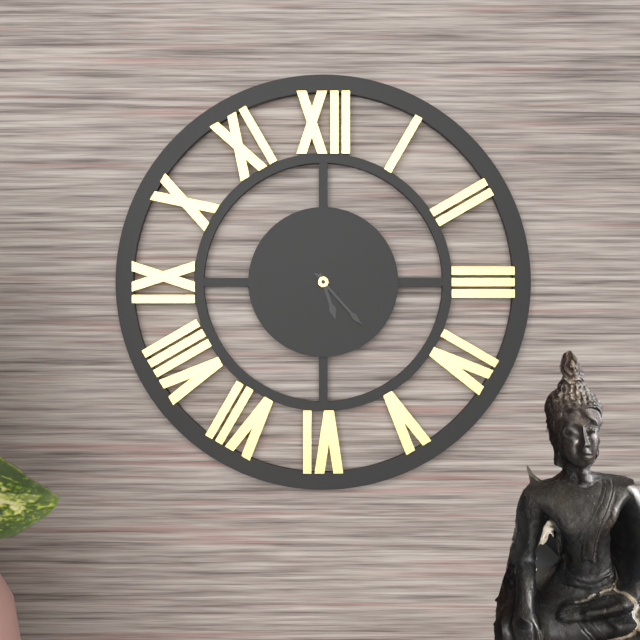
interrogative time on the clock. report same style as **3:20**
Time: **5:23**
